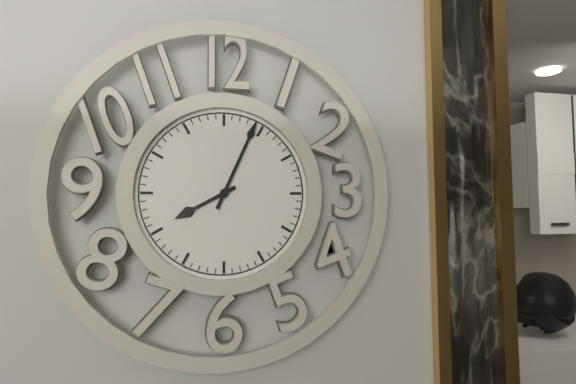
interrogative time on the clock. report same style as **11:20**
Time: **8:04**
